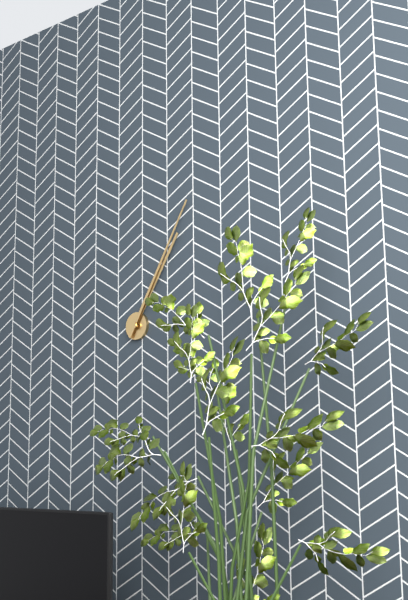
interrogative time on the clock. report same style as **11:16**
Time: **1:05**
